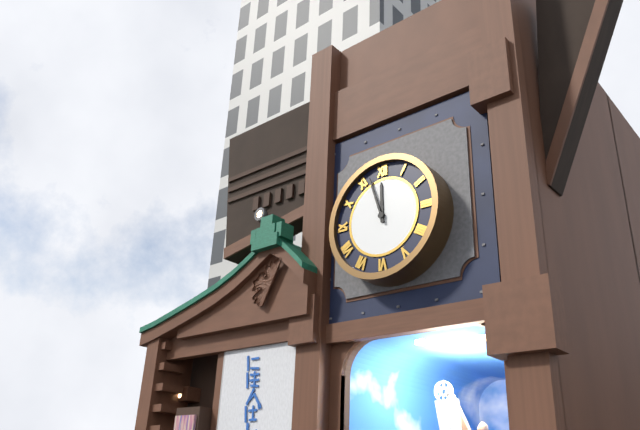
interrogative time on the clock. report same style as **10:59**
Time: **11:57**
